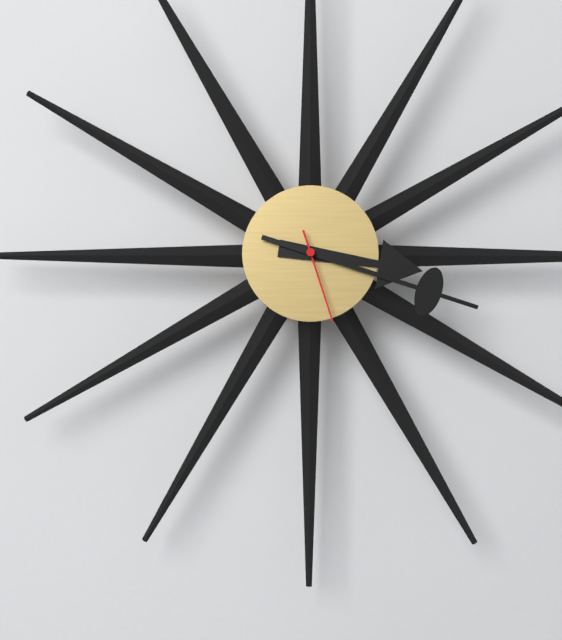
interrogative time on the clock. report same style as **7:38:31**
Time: **3:18:27**
